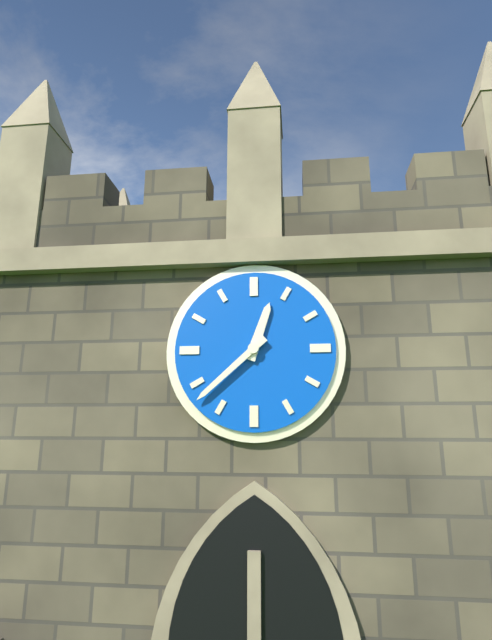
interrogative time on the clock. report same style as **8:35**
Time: **12:38**
